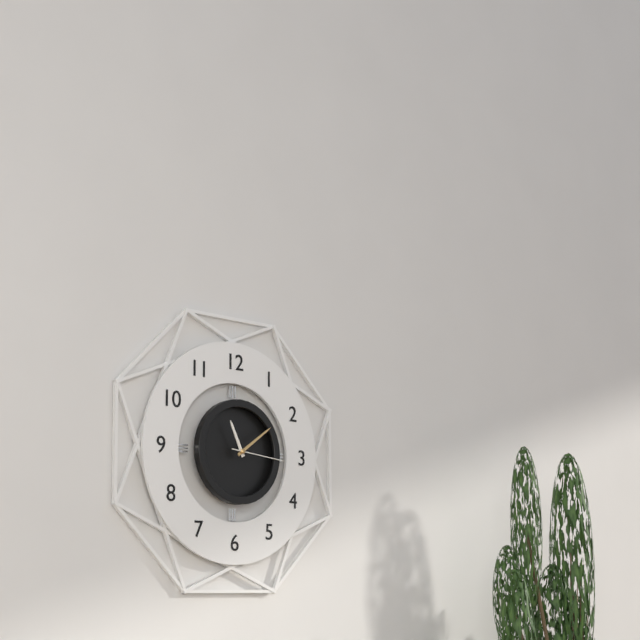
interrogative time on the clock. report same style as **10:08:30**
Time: **11:09:16**
